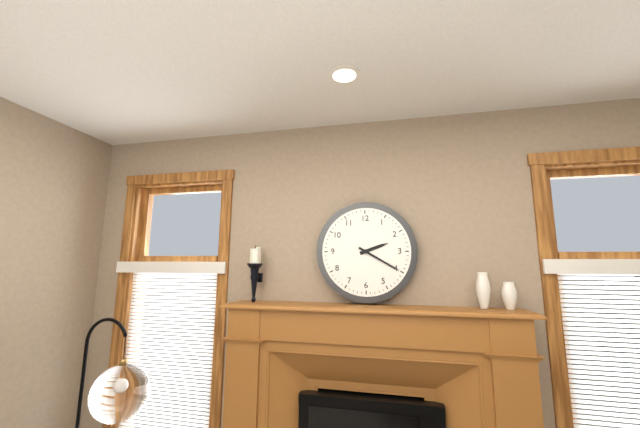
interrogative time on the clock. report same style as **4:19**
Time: **2:20**
